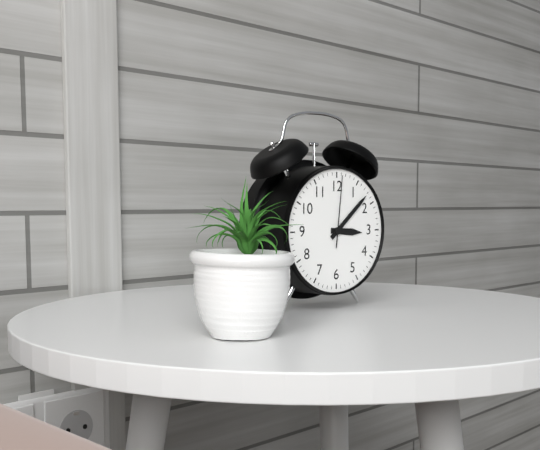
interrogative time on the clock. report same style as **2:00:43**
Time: **3:08:01**
